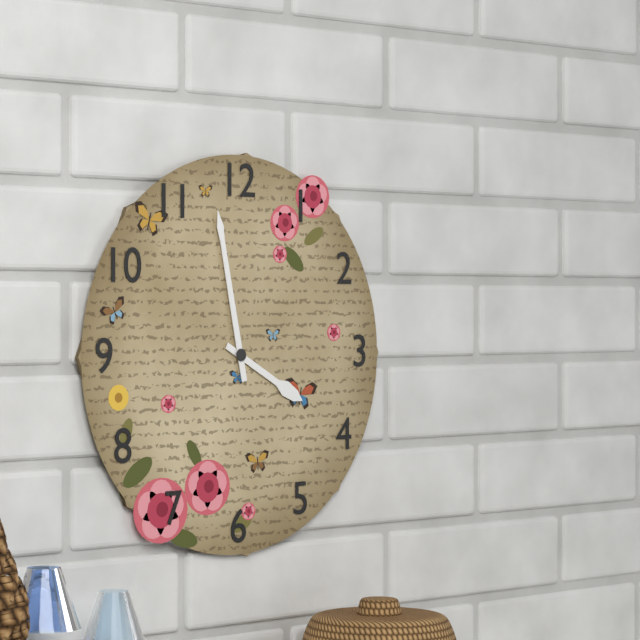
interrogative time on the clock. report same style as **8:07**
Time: **3:58**
